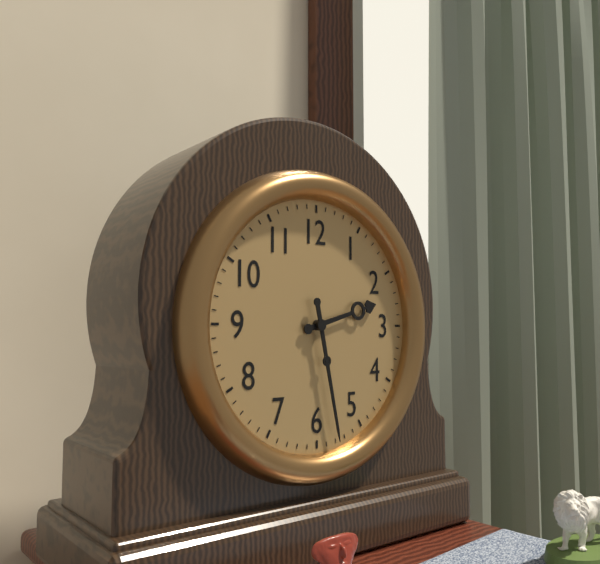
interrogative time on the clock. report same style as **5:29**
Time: **2:28**
